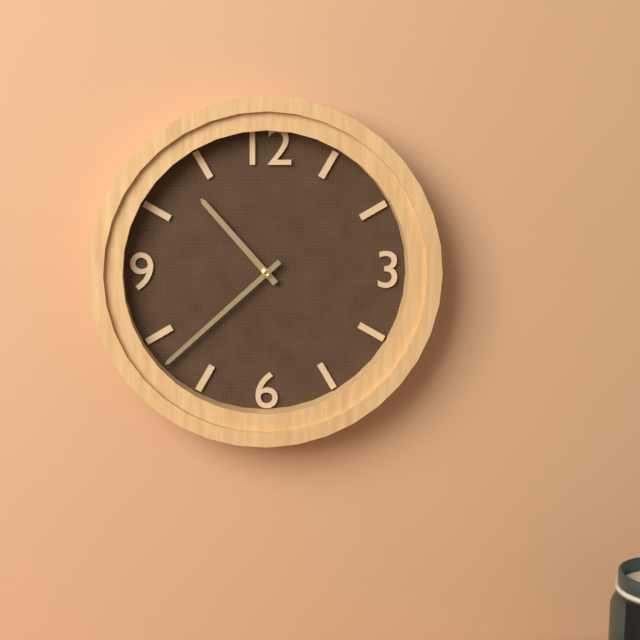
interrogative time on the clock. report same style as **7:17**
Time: **10:38**
